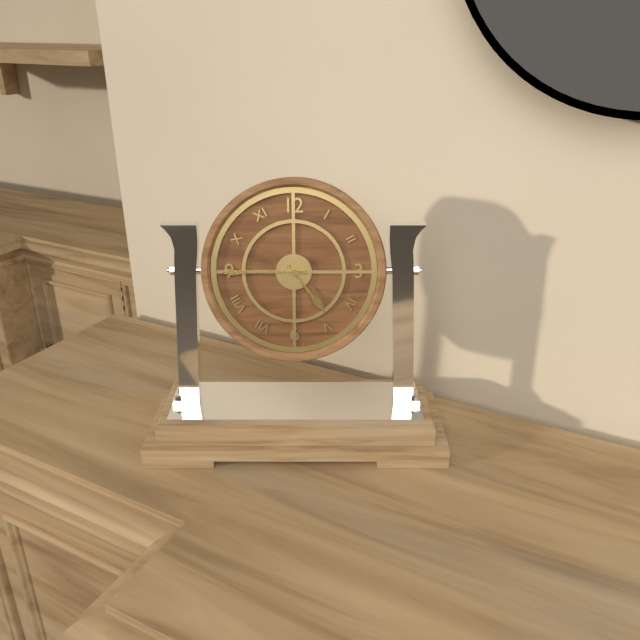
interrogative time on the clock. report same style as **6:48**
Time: **4:45**
